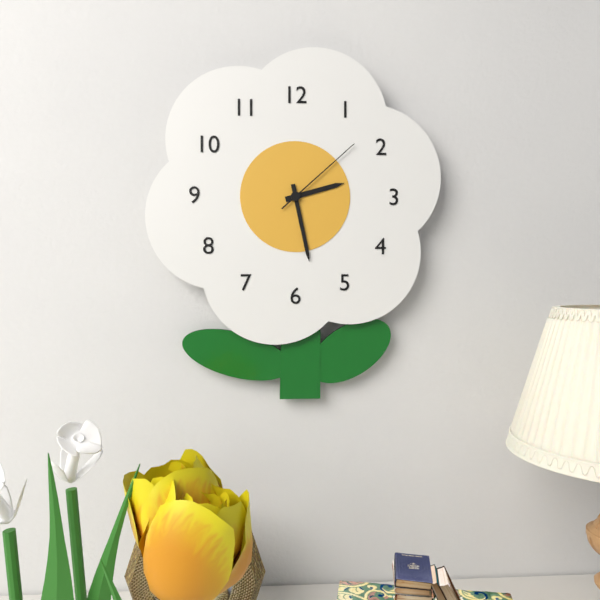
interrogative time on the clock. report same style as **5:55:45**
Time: **2:28:08**
